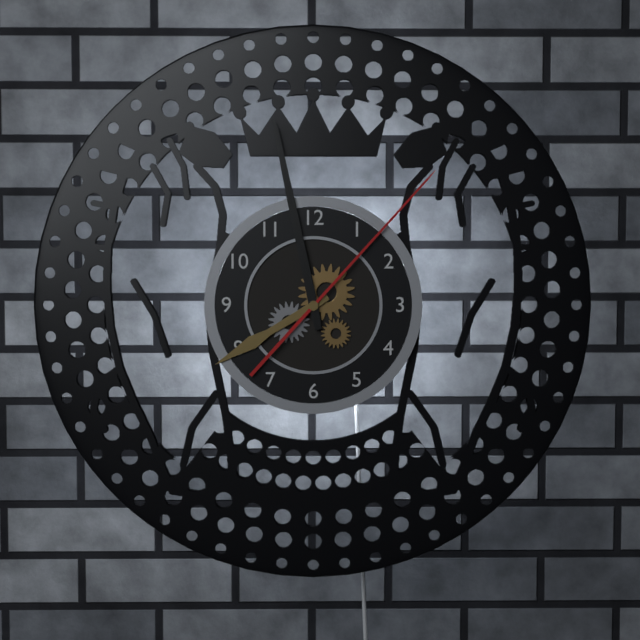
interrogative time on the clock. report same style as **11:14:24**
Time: **7:58:07**
